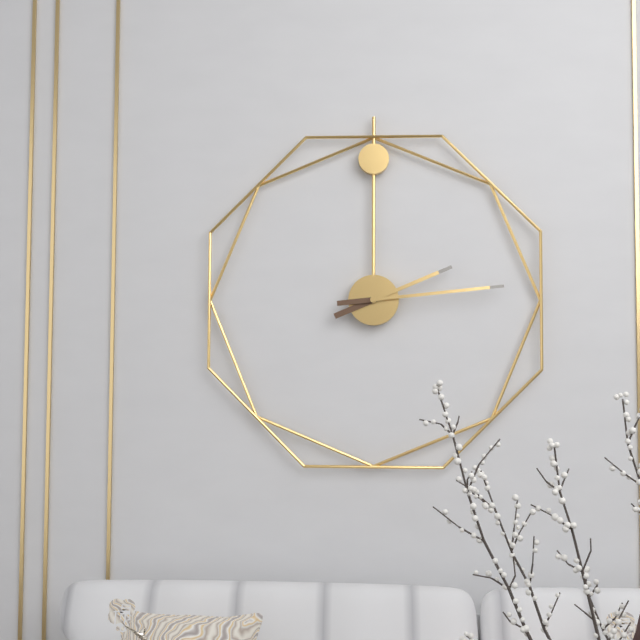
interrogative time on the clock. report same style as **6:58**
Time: **2:14**
